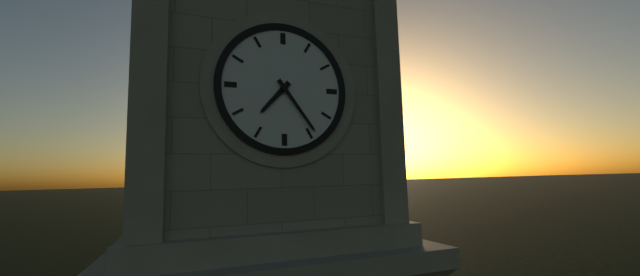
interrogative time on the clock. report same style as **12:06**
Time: **7:24**
